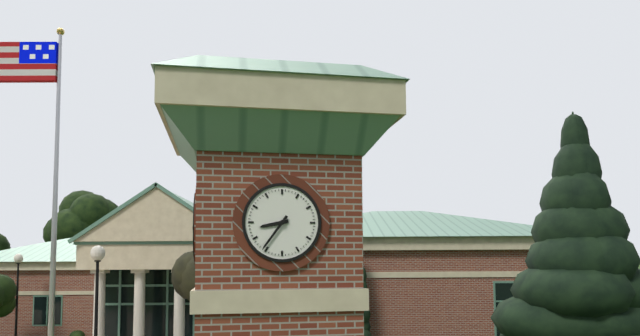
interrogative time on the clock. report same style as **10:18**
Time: **8:36**
